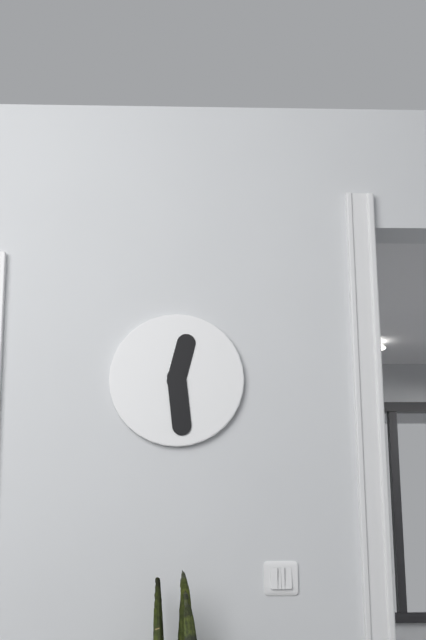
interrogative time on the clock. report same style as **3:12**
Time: **12:29**
